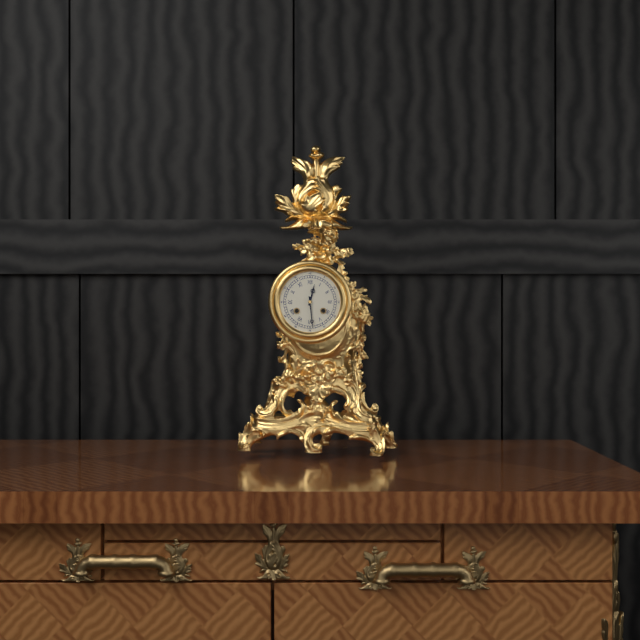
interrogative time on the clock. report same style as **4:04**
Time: **12:29**
